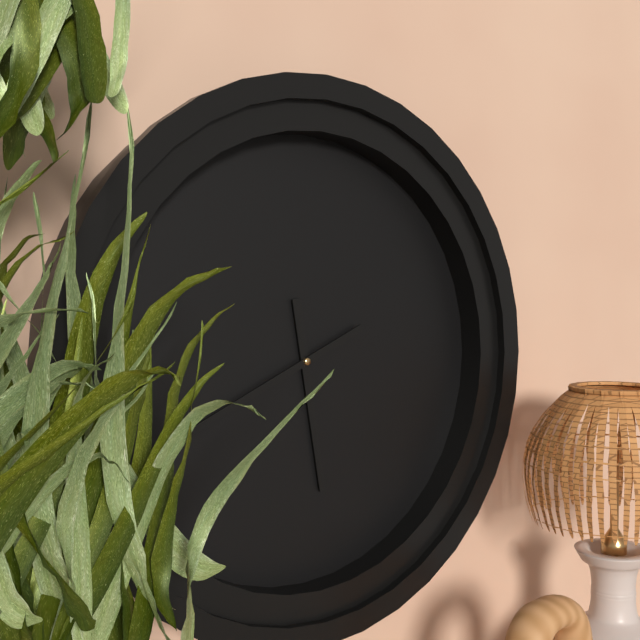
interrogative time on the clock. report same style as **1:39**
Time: **5:41**
